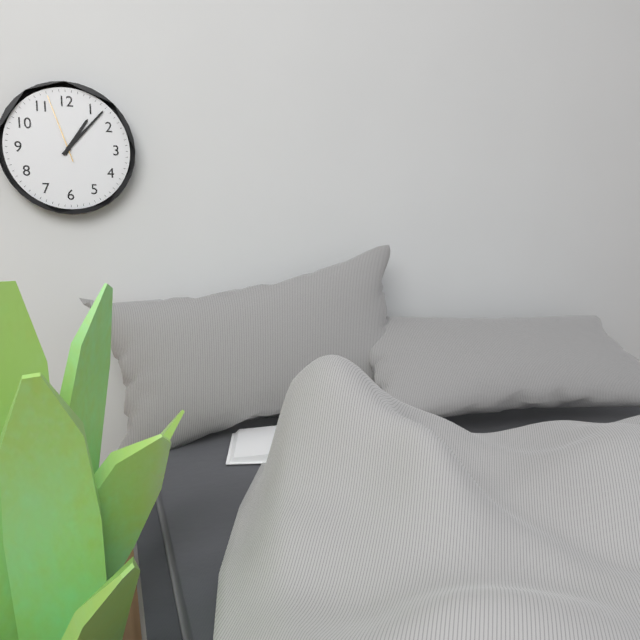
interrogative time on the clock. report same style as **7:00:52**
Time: **1:07:57**
